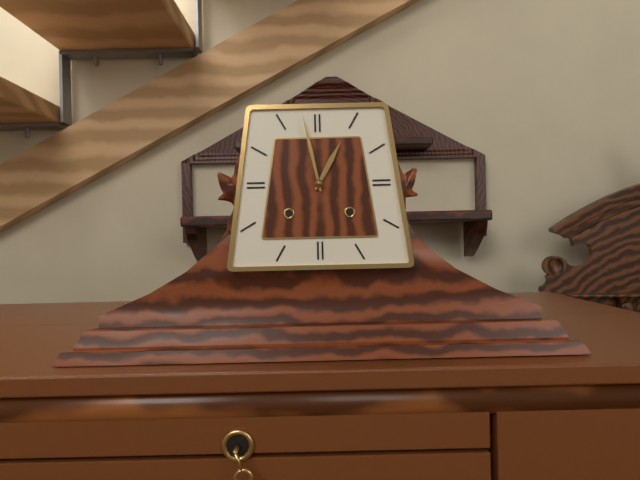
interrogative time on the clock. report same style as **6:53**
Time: **12:58**
